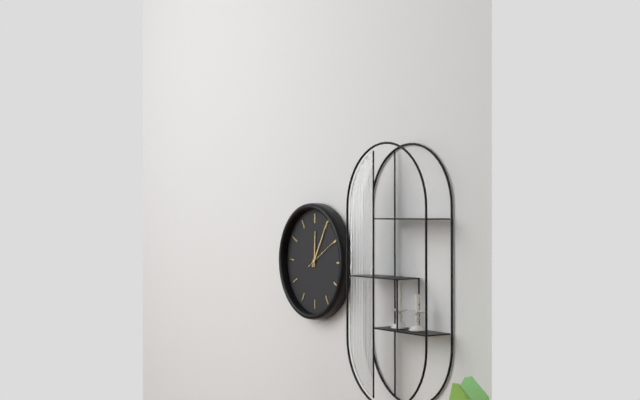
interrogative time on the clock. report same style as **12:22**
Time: **12:05**
